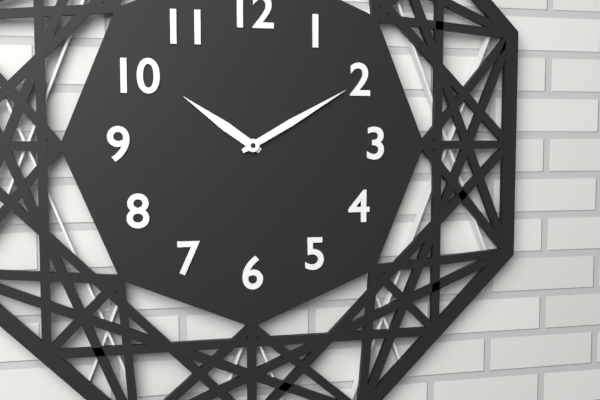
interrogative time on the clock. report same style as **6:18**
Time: **10:10**
